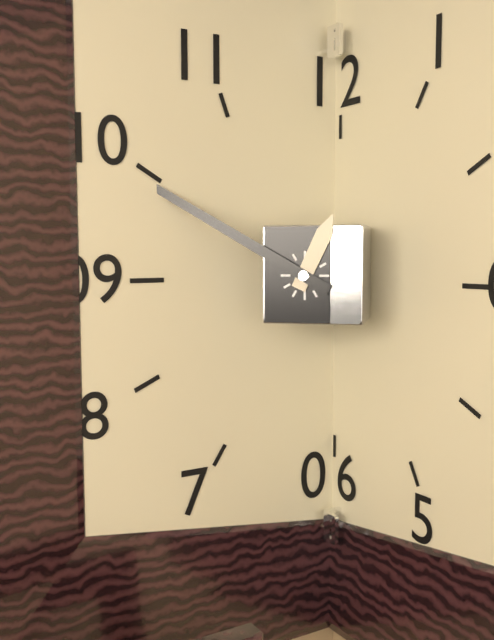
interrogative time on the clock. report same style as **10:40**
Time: **12:50**
